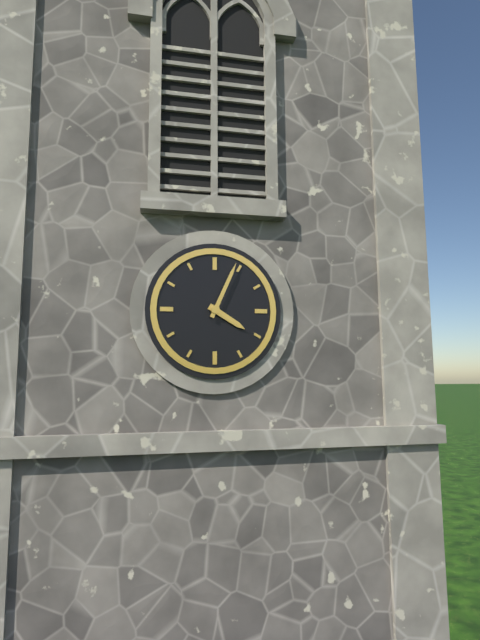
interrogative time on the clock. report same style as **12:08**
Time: **4:04**
